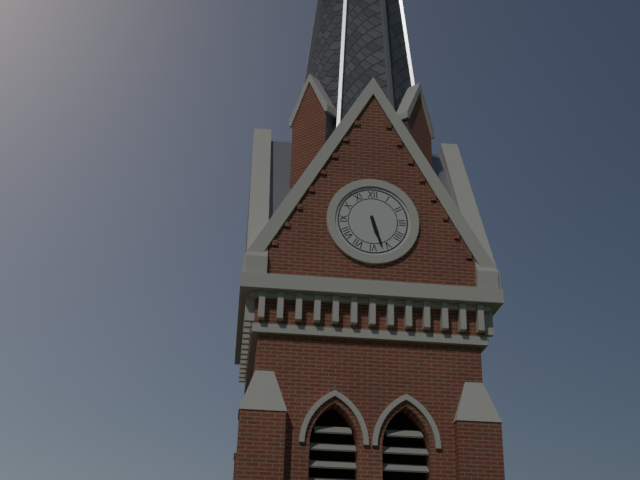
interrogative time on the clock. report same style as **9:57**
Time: **5:27**
